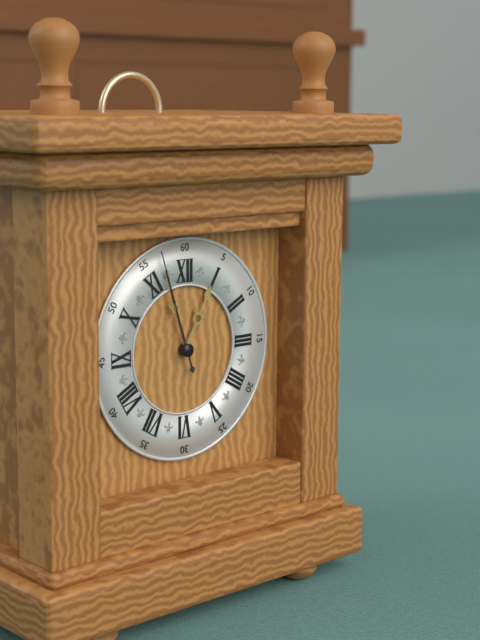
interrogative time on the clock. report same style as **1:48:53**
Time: **12:57:57**
